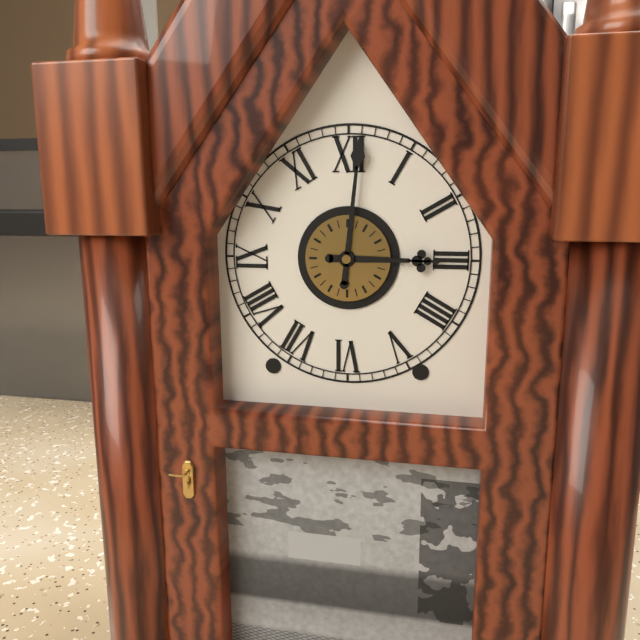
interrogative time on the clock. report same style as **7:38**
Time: **3:01**
